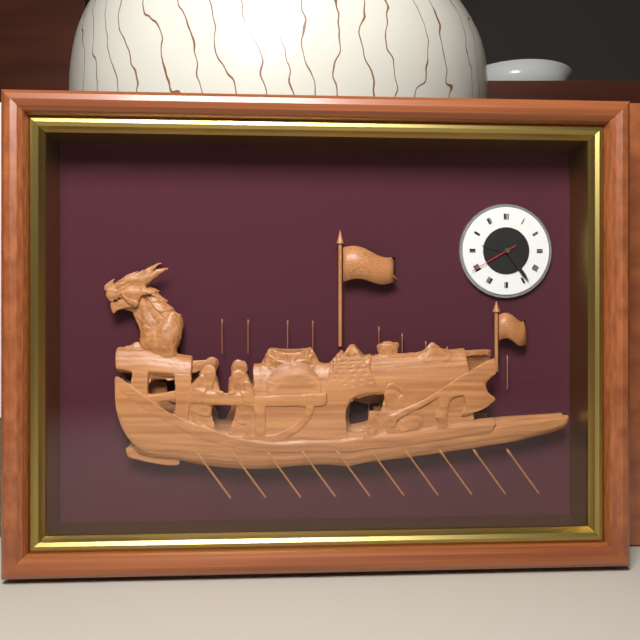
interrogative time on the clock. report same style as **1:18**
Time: **9:24**
